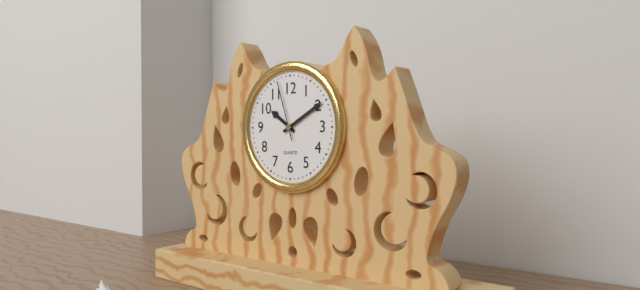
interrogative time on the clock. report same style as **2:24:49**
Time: **10:10:57**
